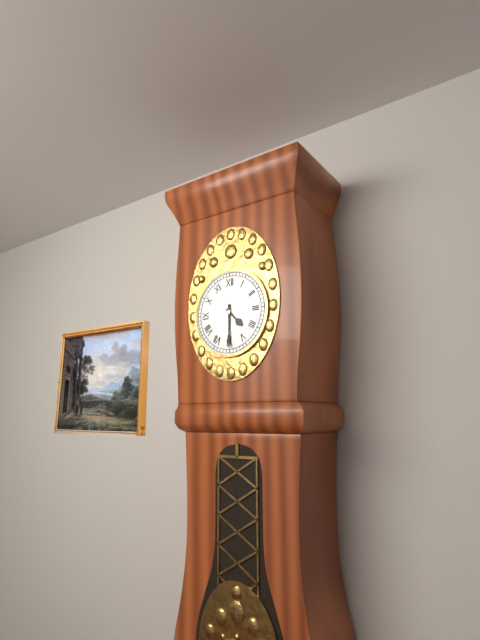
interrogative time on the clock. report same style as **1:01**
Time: **4:30**
